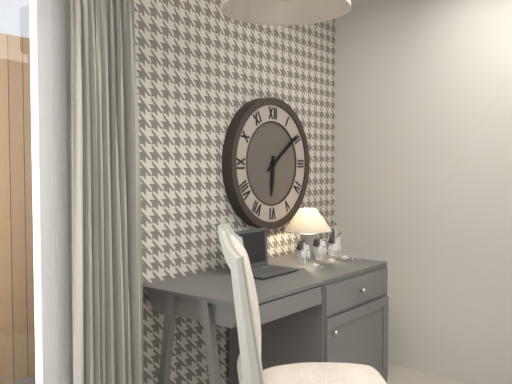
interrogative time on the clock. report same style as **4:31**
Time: **6:09**
